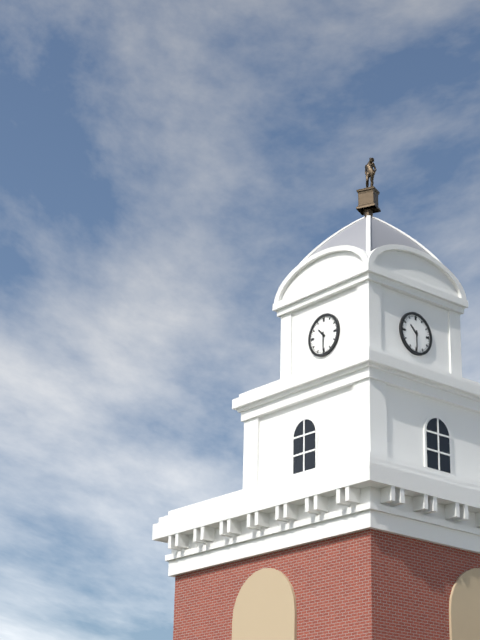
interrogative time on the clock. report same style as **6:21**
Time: **10:30**
